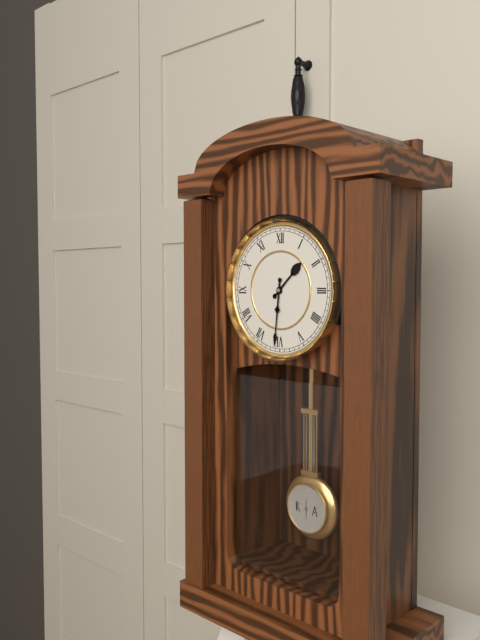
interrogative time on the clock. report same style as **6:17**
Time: **1:31**
